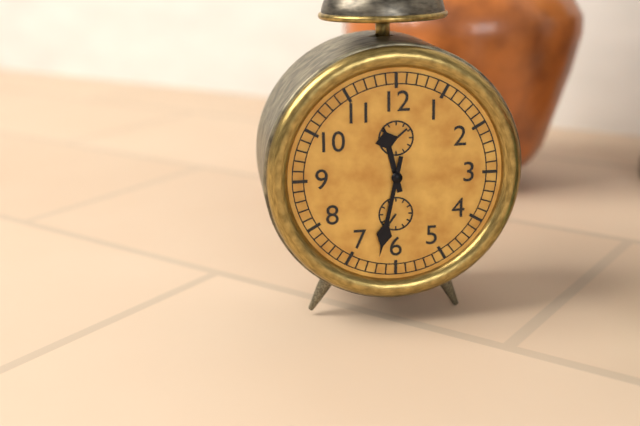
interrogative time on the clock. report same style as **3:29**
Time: **11:32**
